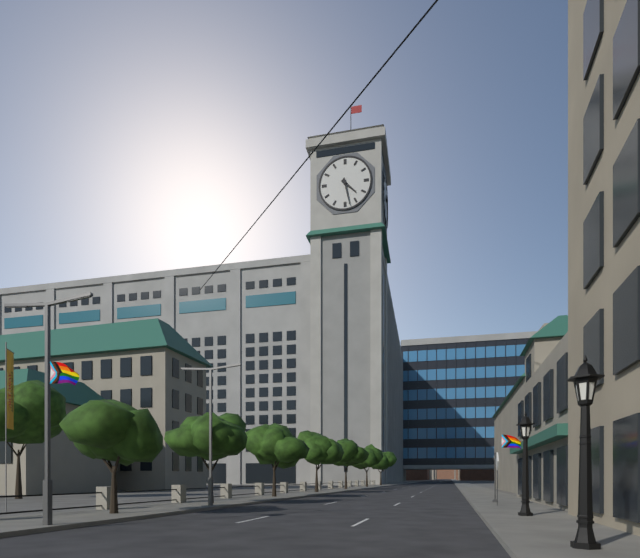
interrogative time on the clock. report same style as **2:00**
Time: **4:28**
